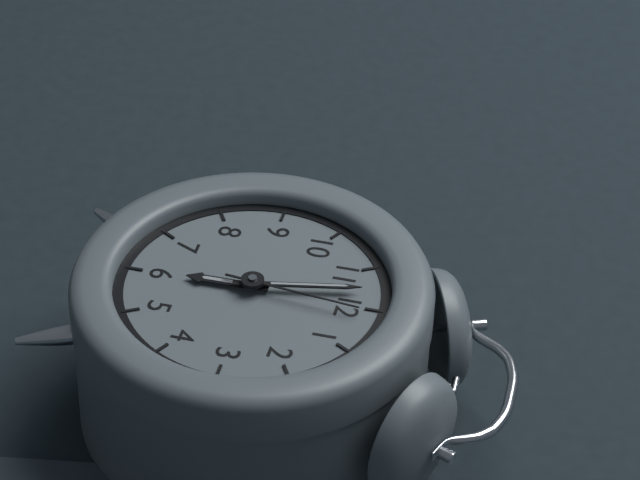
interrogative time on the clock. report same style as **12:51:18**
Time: **5:58:01**
